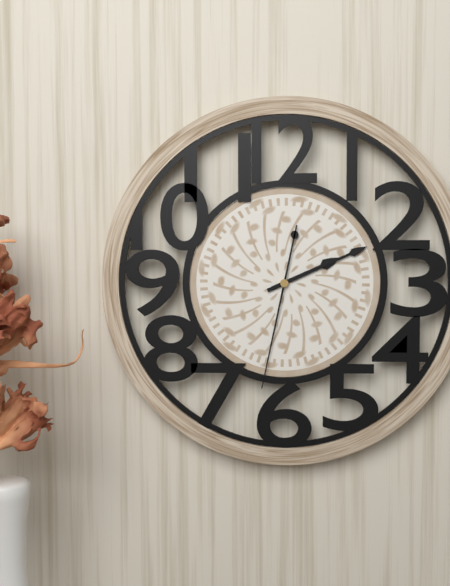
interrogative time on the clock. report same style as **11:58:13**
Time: **2:11:32**
